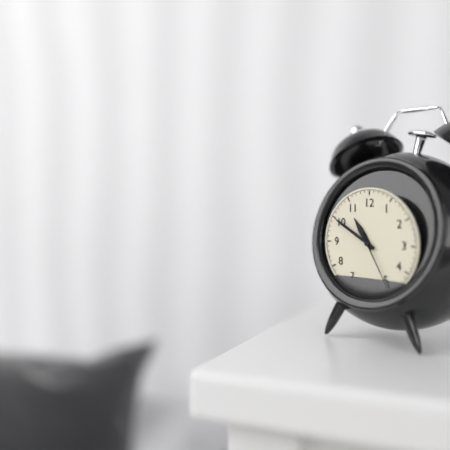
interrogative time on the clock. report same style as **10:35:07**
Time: **10:50:25**
